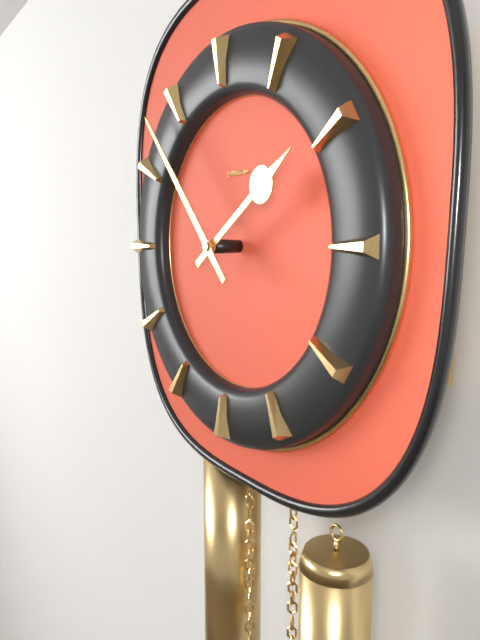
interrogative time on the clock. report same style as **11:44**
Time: **1:53**
